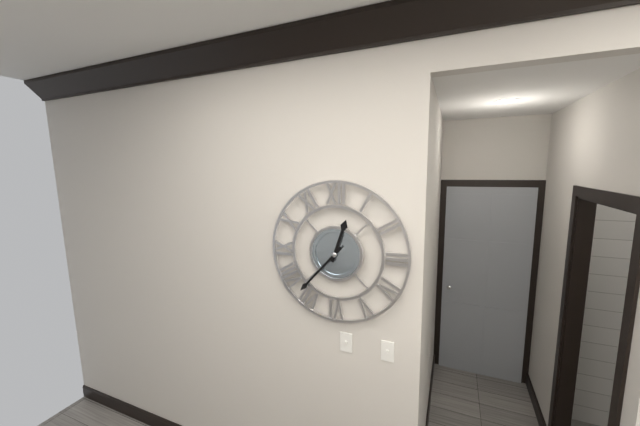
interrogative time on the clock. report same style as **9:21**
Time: **12:37**
